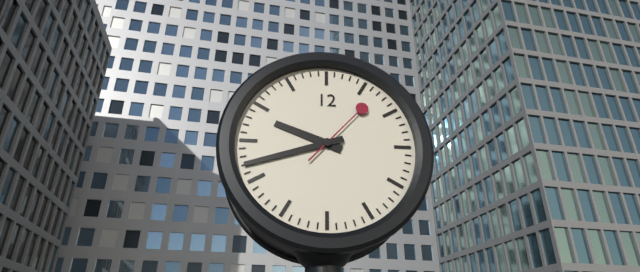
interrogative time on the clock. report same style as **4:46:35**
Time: **9:42:07**
